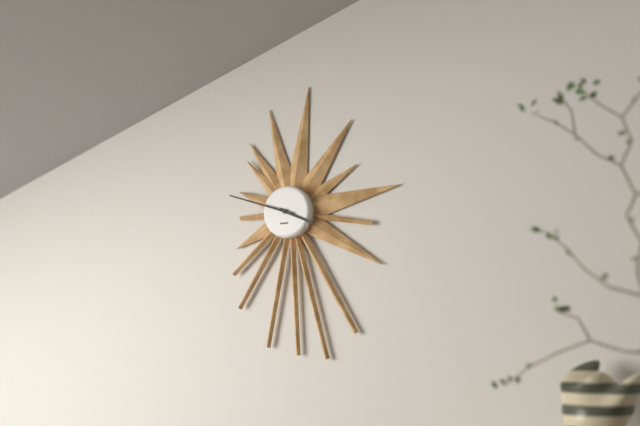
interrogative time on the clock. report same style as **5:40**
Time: **3:48**
